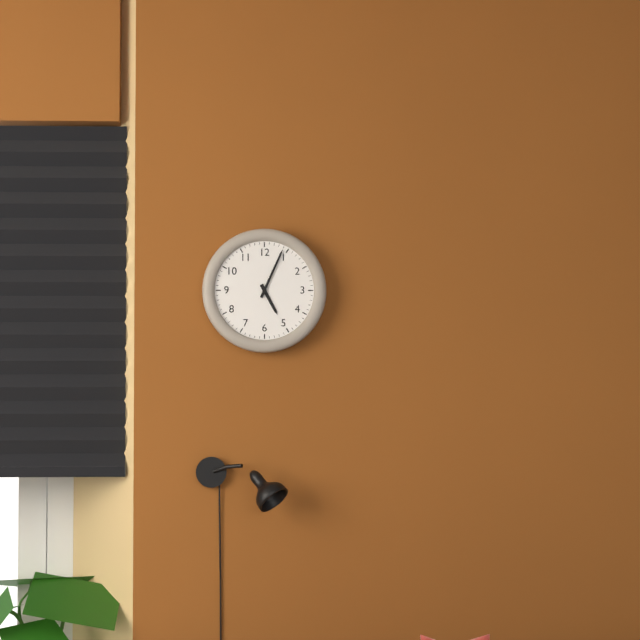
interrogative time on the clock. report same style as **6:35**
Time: **5:04**
